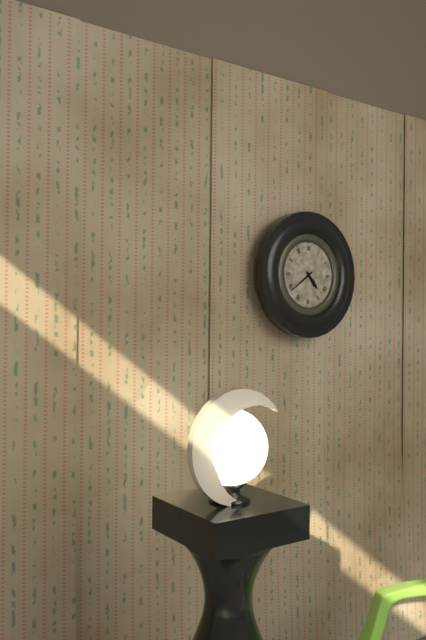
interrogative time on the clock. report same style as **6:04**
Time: **4:39**
